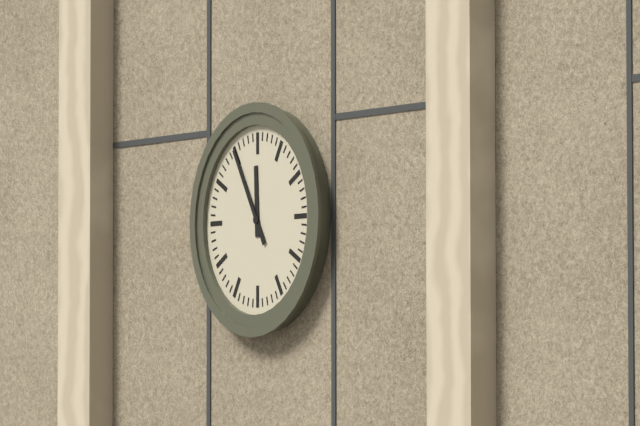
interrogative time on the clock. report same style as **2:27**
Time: **11:55**
